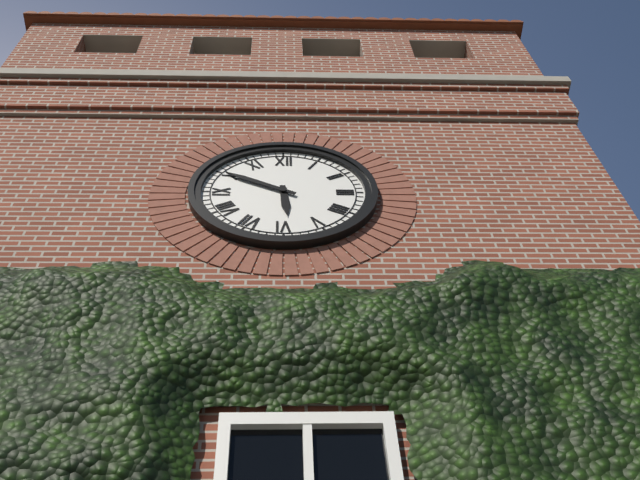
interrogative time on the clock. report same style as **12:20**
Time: **5:50**
